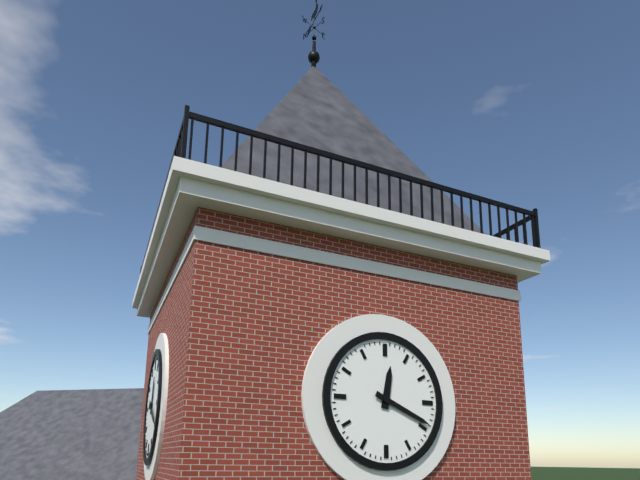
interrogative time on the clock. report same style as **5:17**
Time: **12:19**
